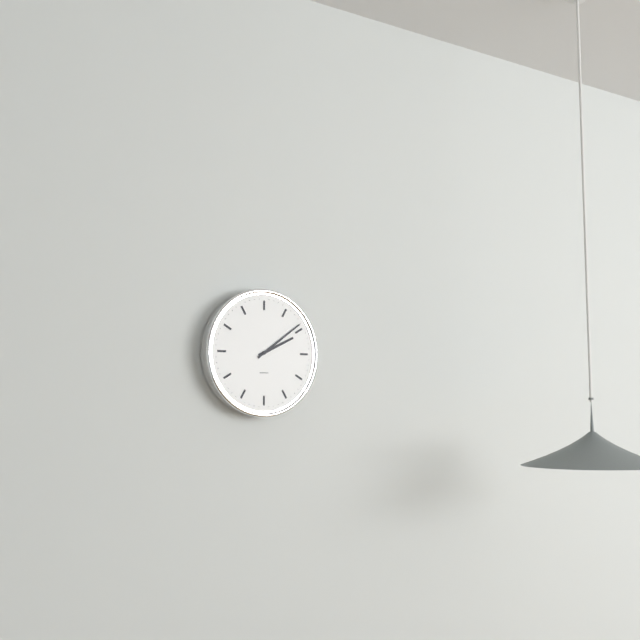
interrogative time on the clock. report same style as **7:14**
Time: **2:09**
